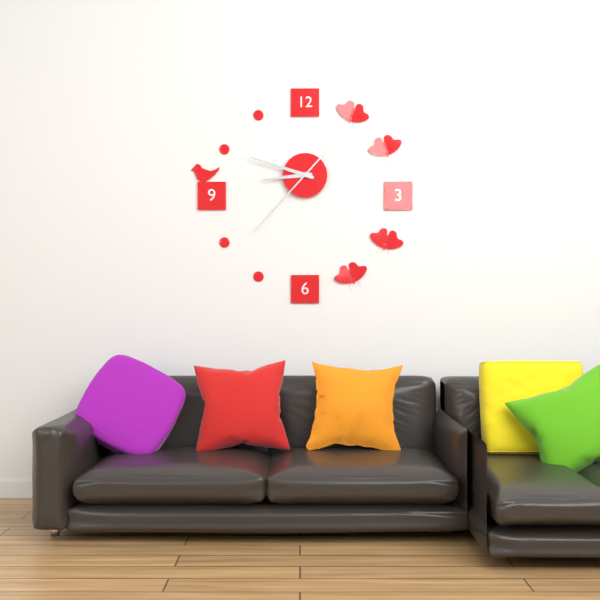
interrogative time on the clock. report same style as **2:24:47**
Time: **8:48:37**
